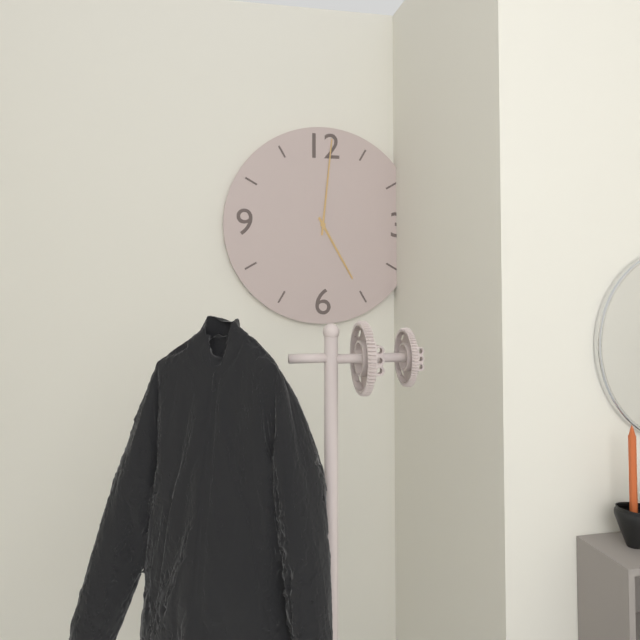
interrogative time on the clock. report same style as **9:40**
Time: **5:01**
